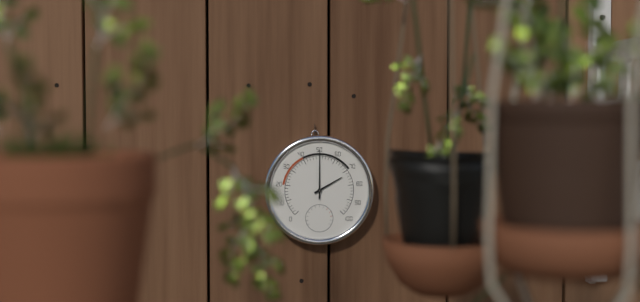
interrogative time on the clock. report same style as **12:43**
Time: **2:00**
